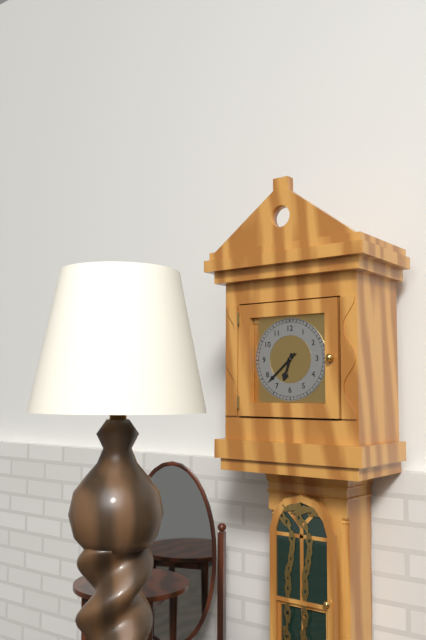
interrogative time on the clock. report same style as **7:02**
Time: **6:38**
